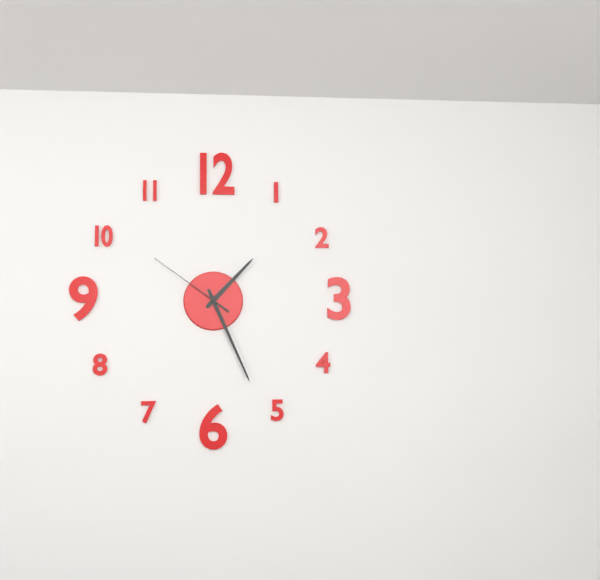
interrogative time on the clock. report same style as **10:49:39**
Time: **1:26:51**
